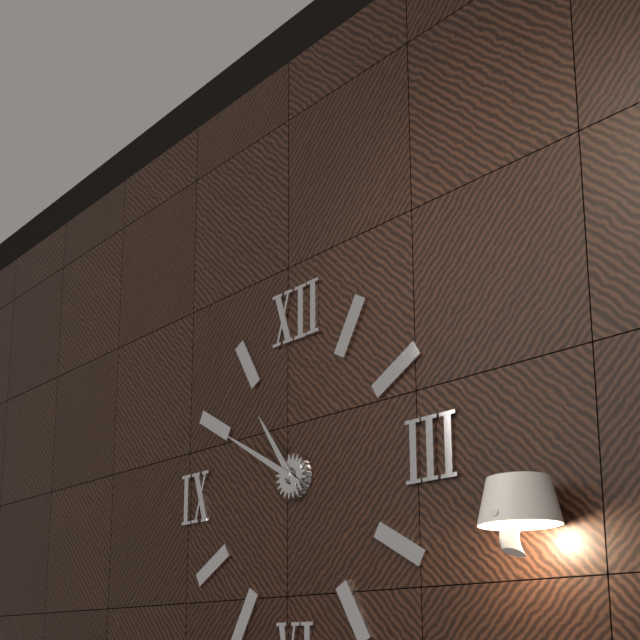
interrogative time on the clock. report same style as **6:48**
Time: **10:50**
